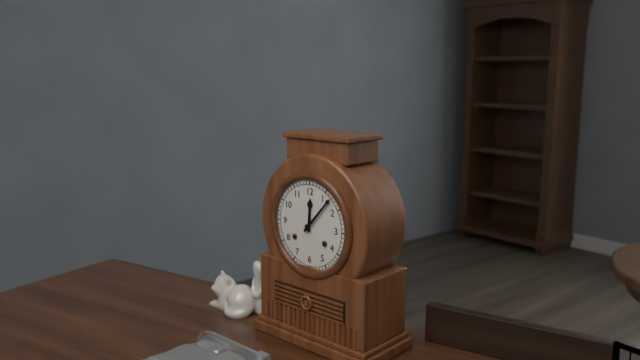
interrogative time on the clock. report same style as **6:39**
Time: **12:07**
